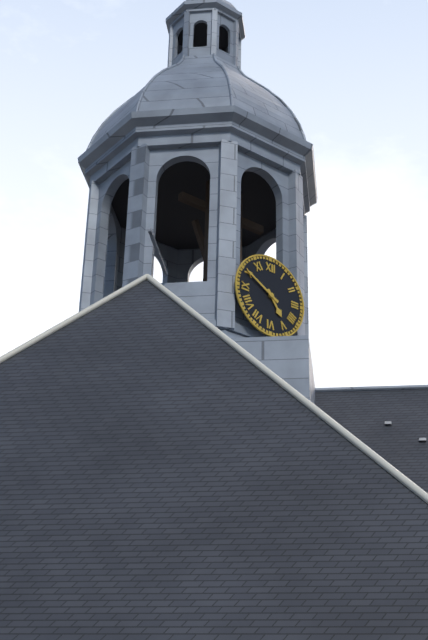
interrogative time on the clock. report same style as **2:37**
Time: **4:50**
